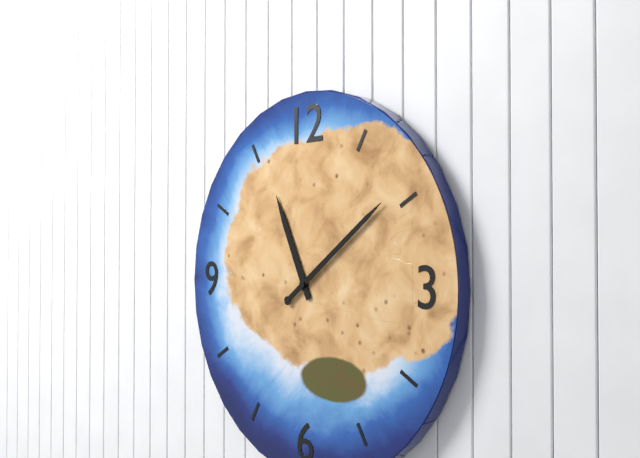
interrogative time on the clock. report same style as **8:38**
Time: **11:09**
